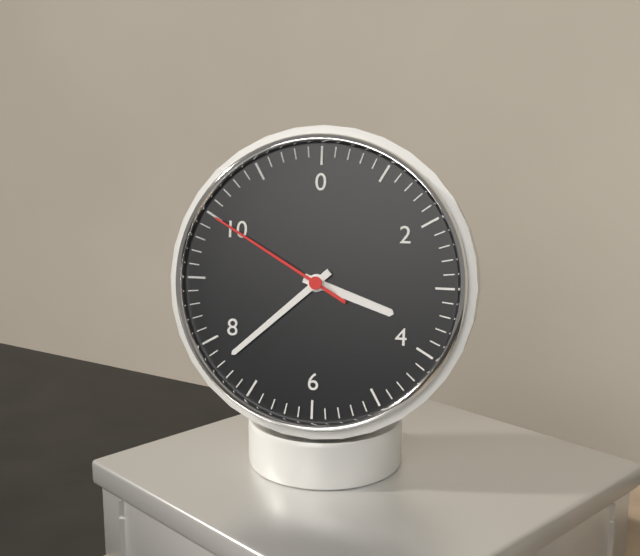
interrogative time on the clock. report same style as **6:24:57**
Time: **3:38:50**
